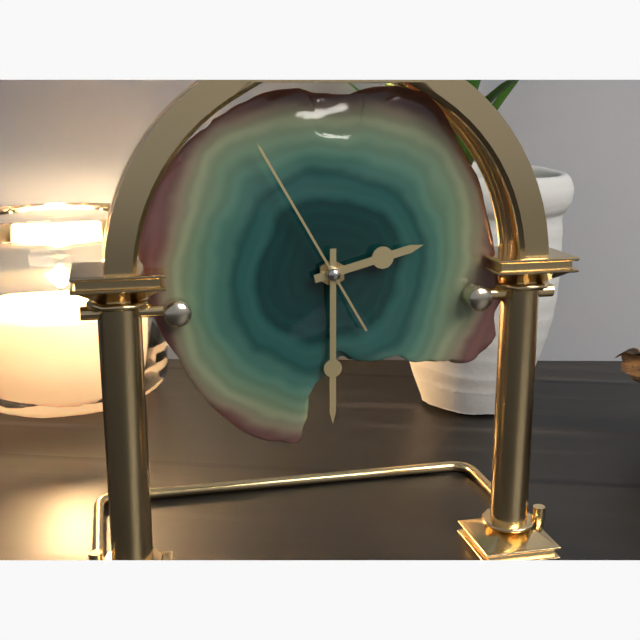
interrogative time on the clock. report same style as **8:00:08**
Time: **2:30:55**
